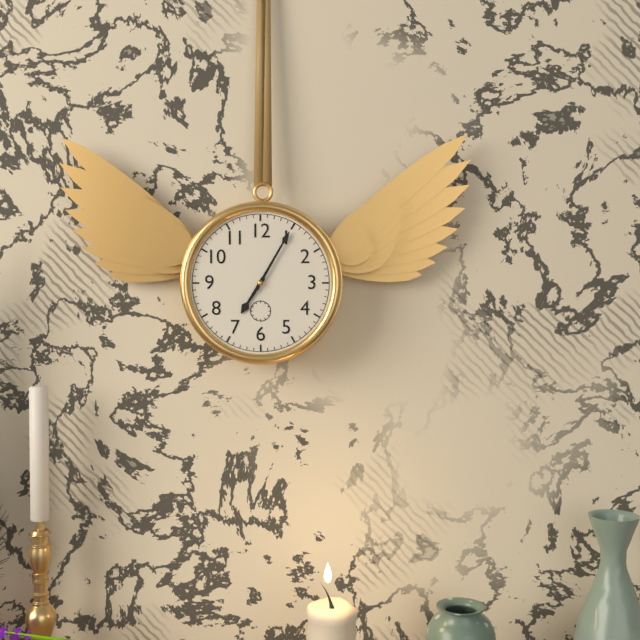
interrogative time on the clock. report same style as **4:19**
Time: **7:05**
